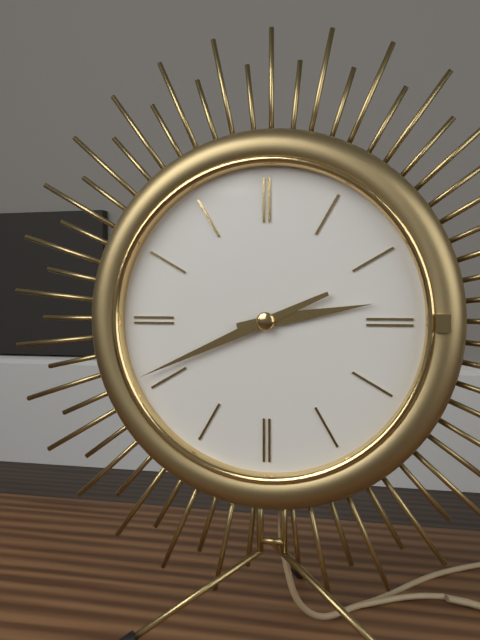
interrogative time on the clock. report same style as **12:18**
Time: **2:41**
